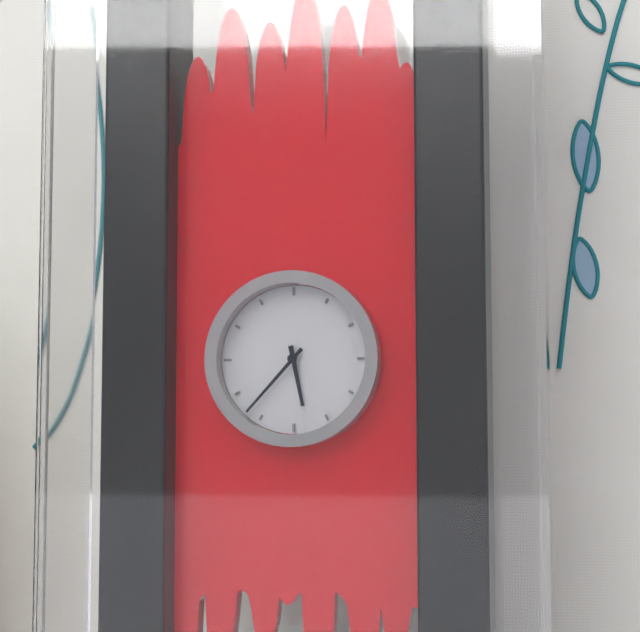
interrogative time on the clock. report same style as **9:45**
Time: **5:37**
